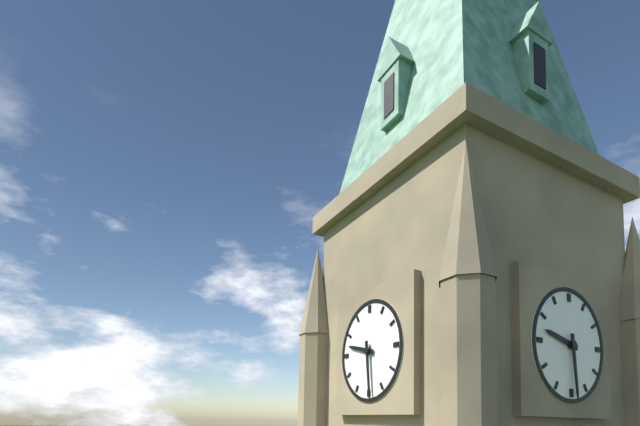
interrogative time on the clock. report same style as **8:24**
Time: **9:29**
